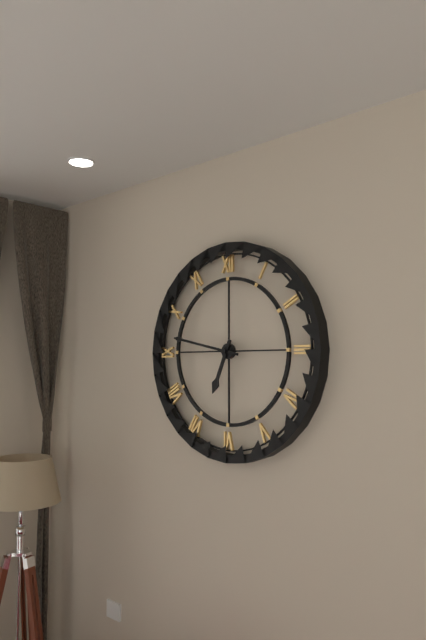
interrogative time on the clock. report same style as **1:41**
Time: **6:47**
